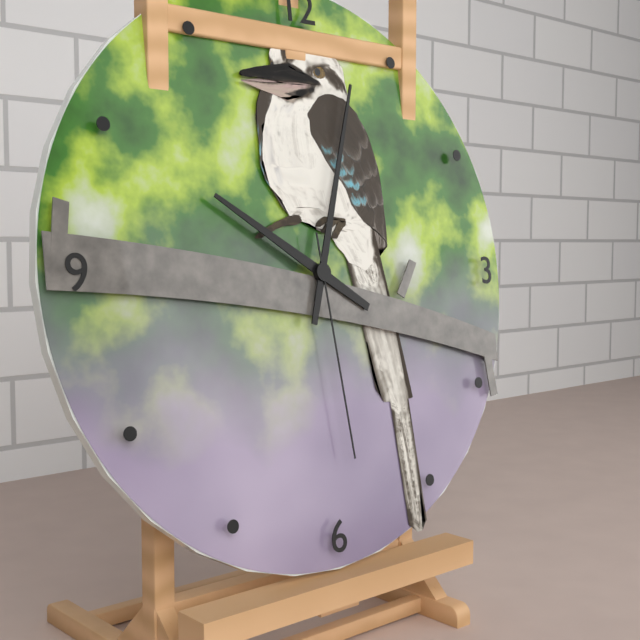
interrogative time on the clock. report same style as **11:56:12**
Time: **10:03:29**
